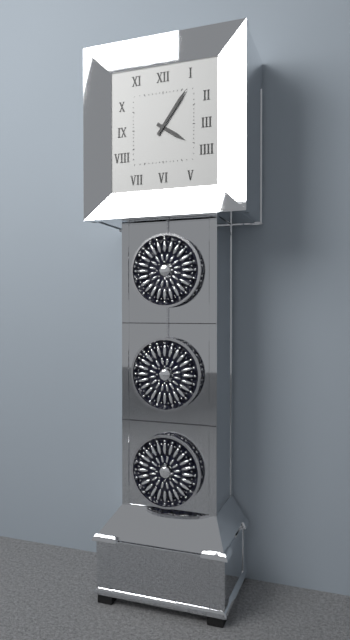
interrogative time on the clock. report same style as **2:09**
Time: **4:06**
